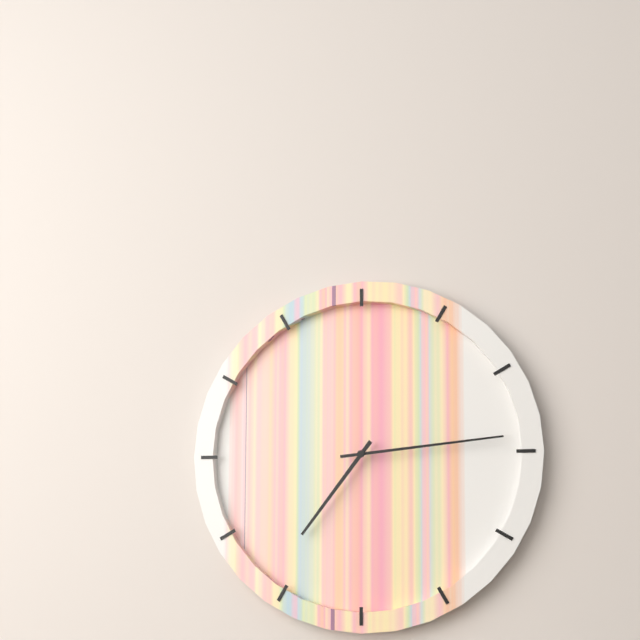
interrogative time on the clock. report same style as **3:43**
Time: **7:14**
